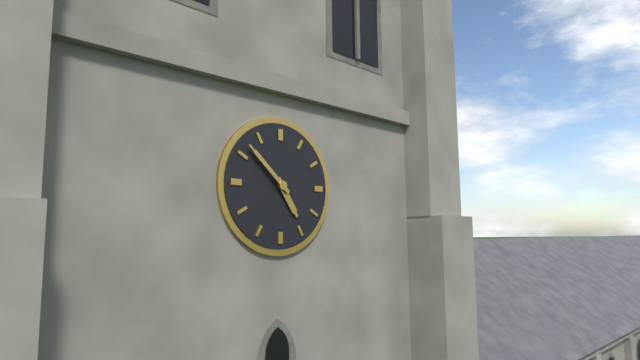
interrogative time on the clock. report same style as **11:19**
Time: **4:52**
